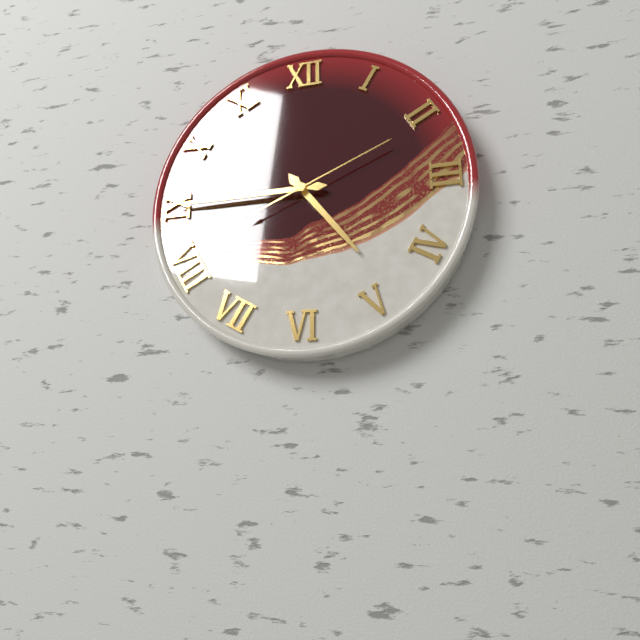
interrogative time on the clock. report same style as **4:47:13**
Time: **4:45:11**
